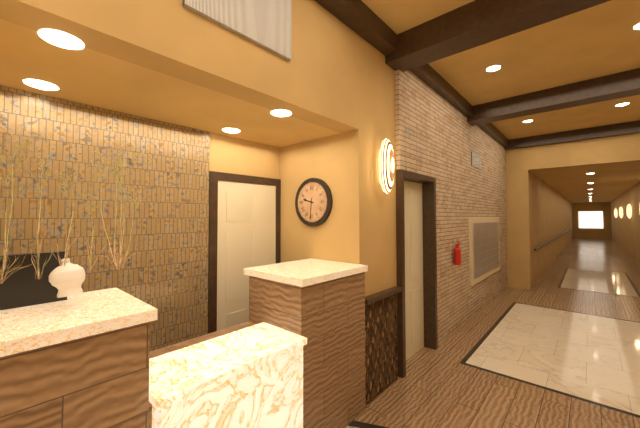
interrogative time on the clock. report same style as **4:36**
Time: **9:31**
